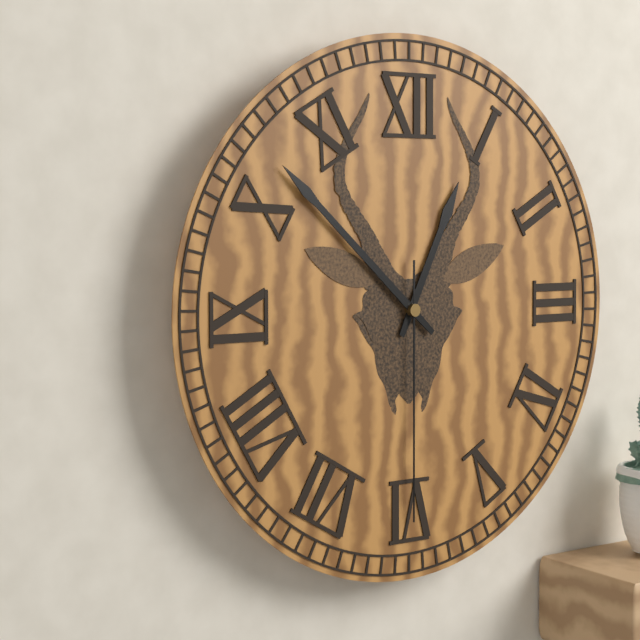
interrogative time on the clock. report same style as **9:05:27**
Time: **12:52:30**
